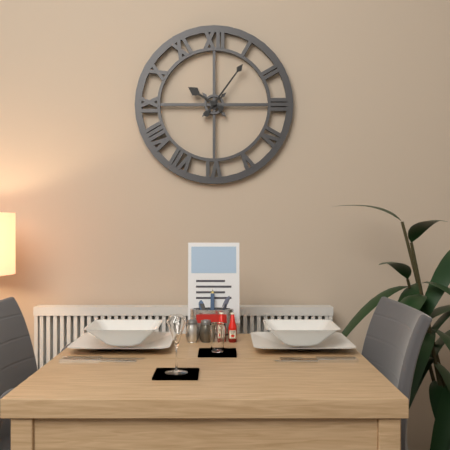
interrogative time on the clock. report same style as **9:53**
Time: **10:06**
